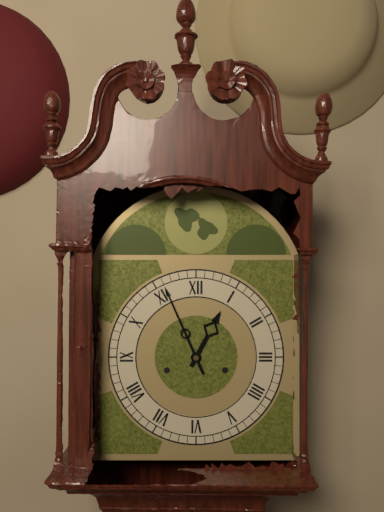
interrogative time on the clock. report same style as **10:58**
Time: **12:56**
